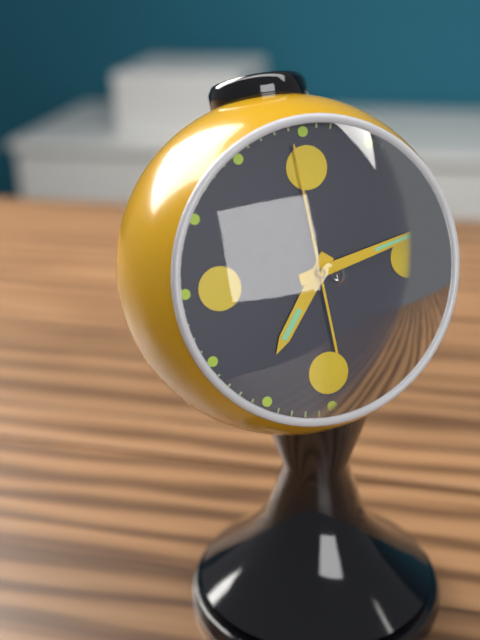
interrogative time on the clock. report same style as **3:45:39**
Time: **7:13:59**
